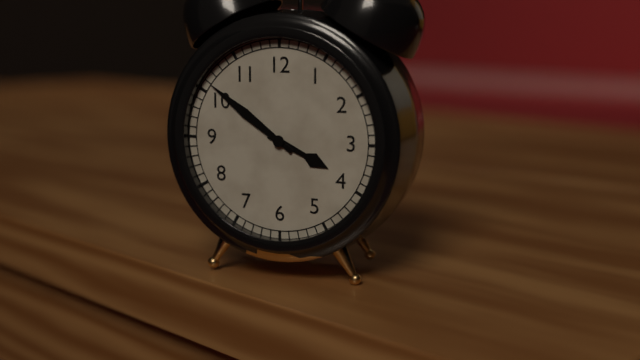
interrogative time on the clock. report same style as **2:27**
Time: **3:51**
